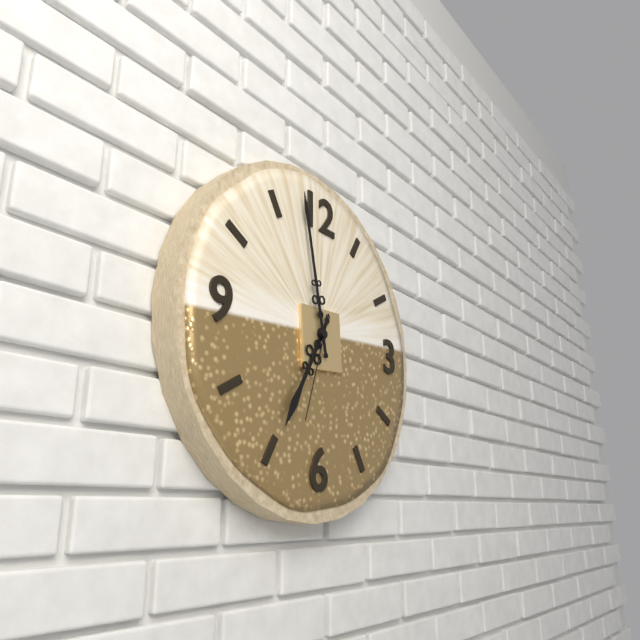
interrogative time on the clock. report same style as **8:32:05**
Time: **6:58:33**
